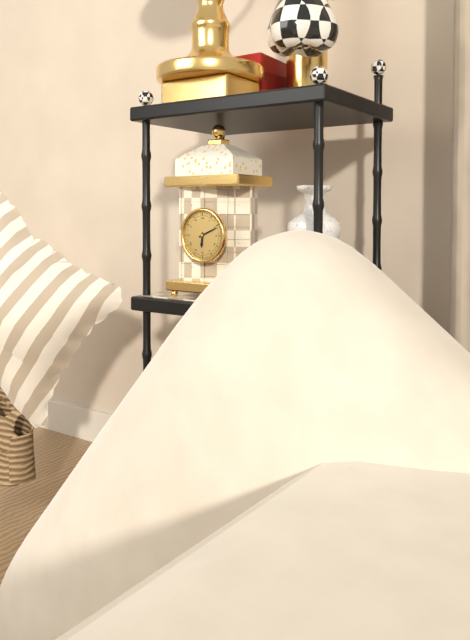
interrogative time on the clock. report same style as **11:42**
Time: **6:11**
